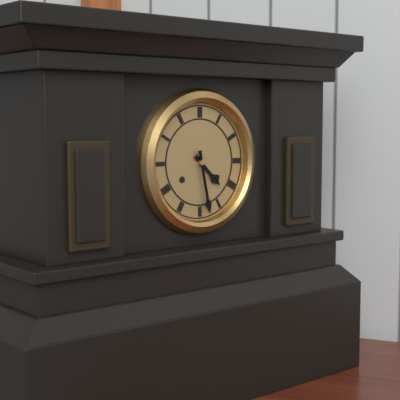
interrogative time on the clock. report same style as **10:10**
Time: **4:28**
